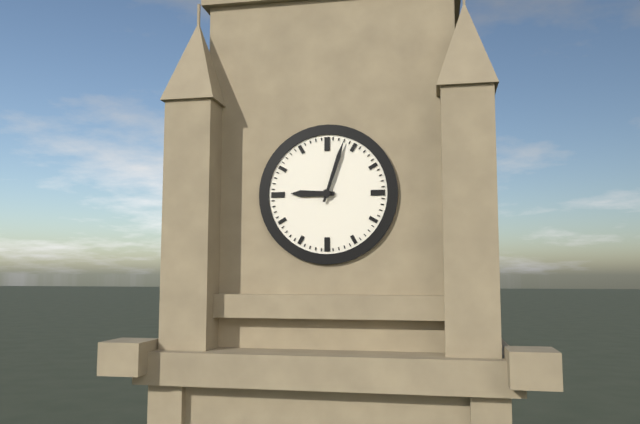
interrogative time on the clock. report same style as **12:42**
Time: **9:03**
